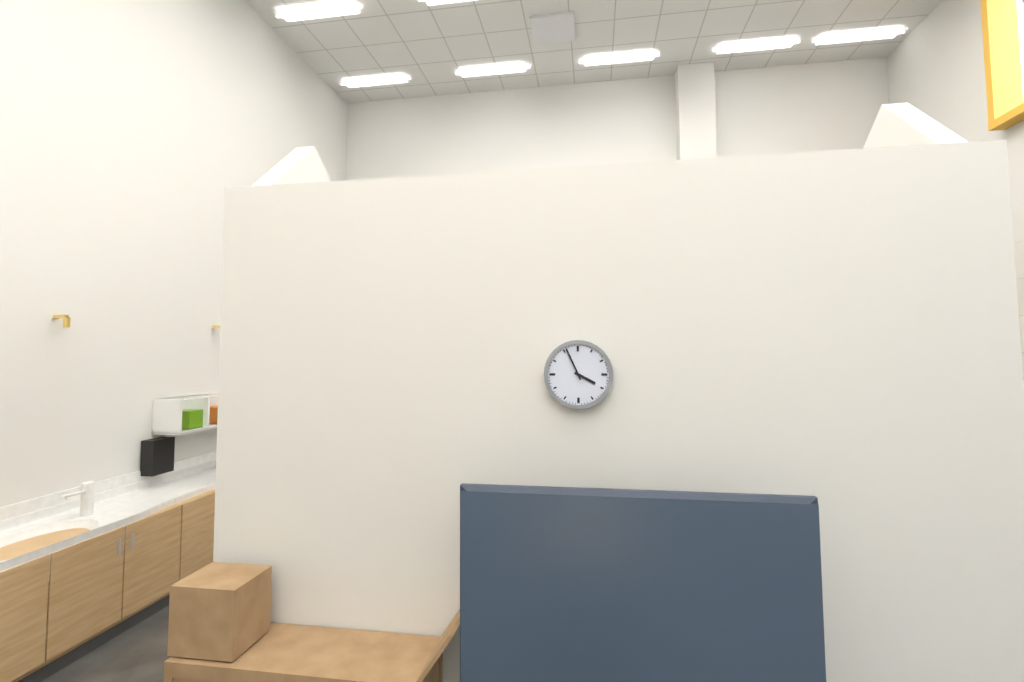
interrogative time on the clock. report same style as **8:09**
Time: **3:56**
